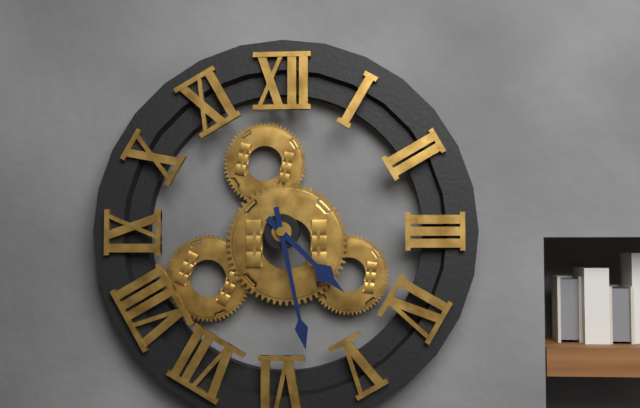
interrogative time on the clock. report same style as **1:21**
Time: **4:28**
